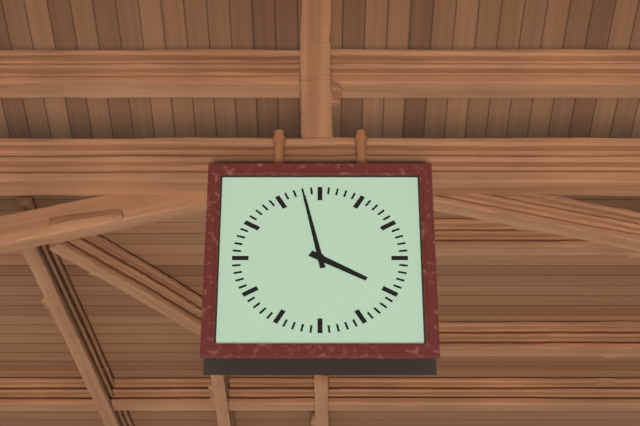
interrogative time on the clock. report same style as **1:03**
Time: **3:58**
